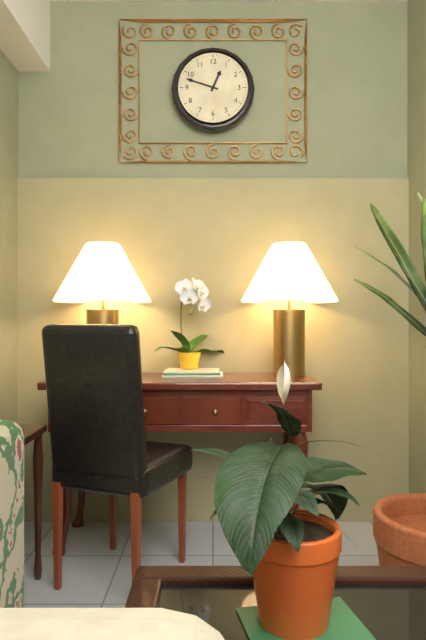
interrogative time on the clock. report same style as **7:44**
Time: **12:48**
